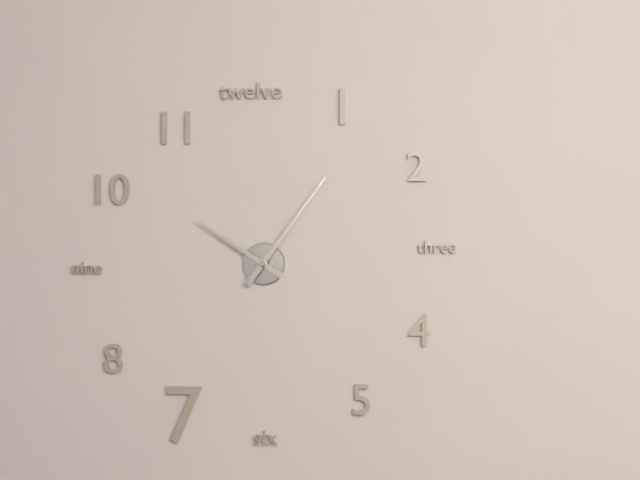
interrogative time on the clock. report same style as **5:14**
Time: **10:06**
